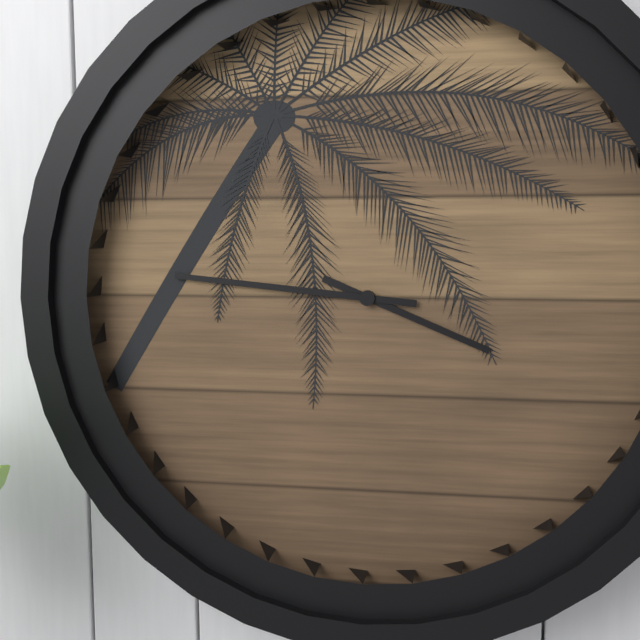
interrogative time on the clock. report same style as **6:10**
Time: **3:46**
